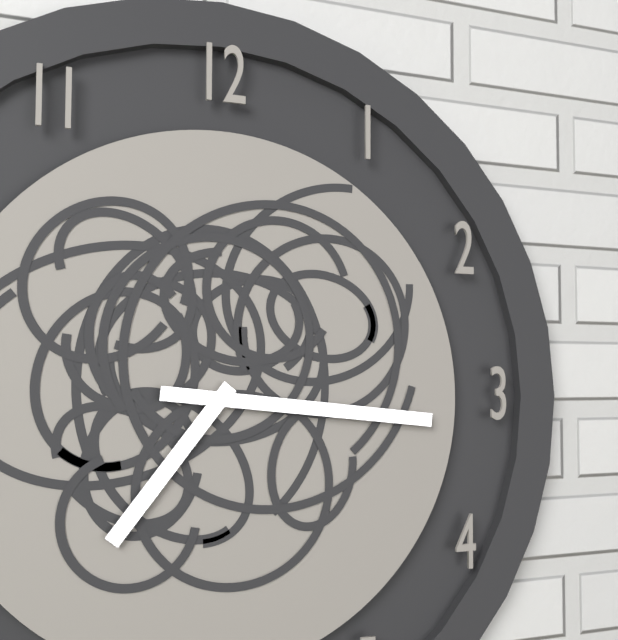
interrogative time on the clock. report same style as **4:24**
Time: **7:16**
